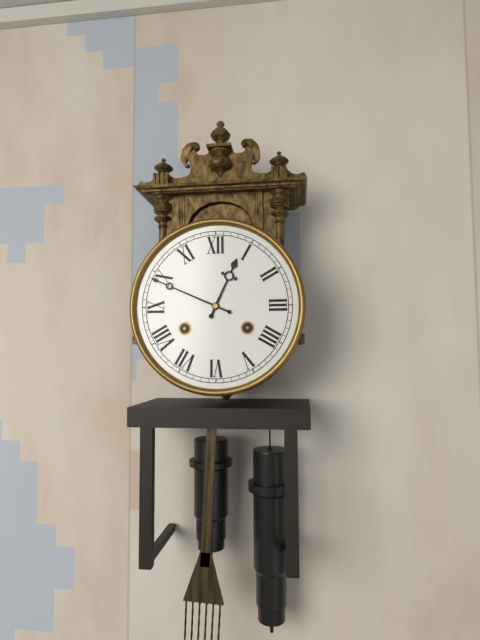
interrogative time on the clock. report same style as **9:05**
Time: **12:49**
